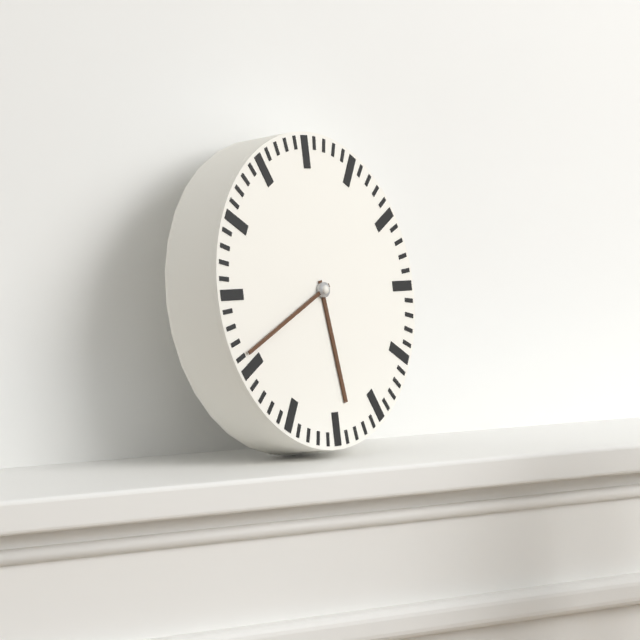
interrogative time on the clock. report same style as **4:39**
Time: **5:41**
